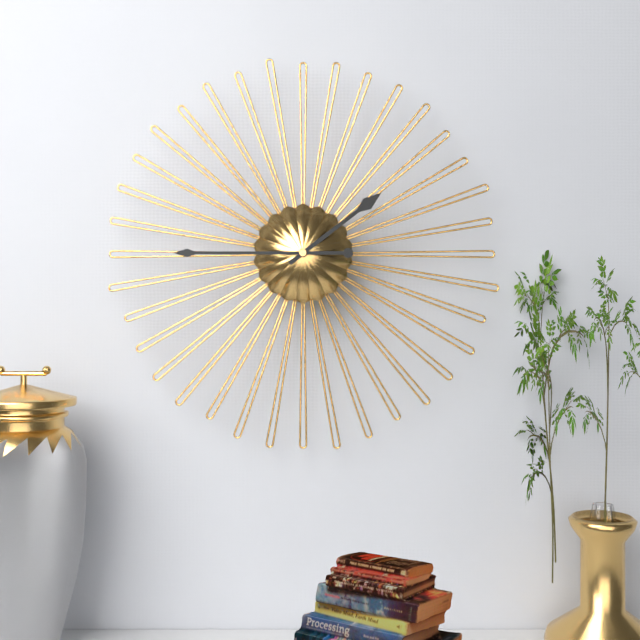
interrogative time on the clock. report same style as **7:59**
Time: **1:45**
